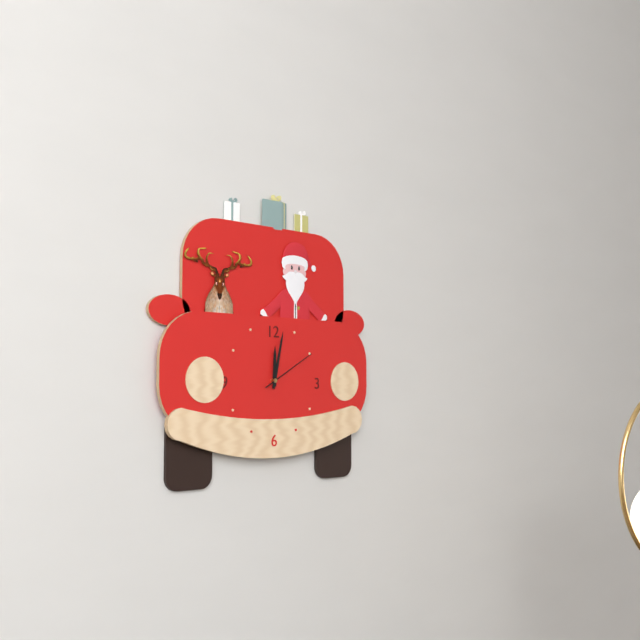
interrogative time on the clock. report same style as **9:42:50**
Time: **12:02:10**
